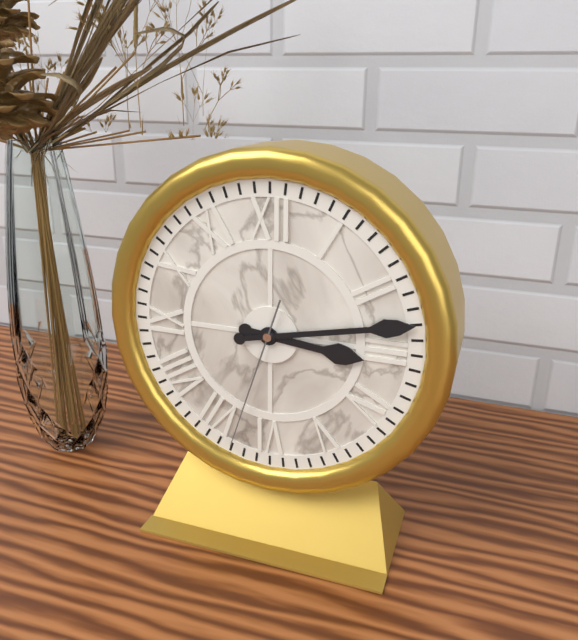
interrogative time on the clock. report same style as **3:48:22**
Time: **3:13:33**
